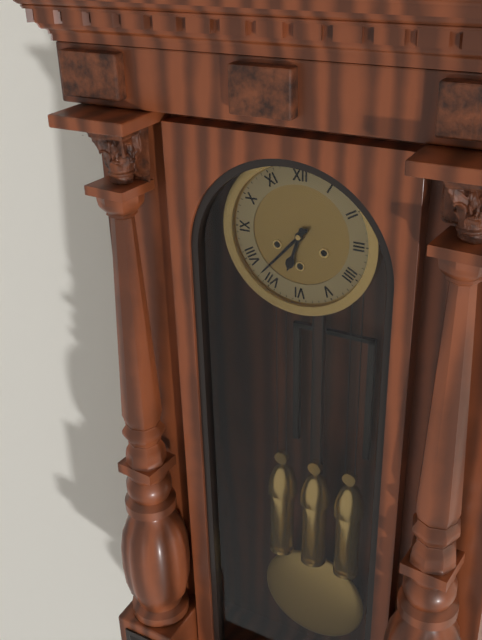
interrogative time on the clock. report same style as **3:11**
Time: **6:37**
